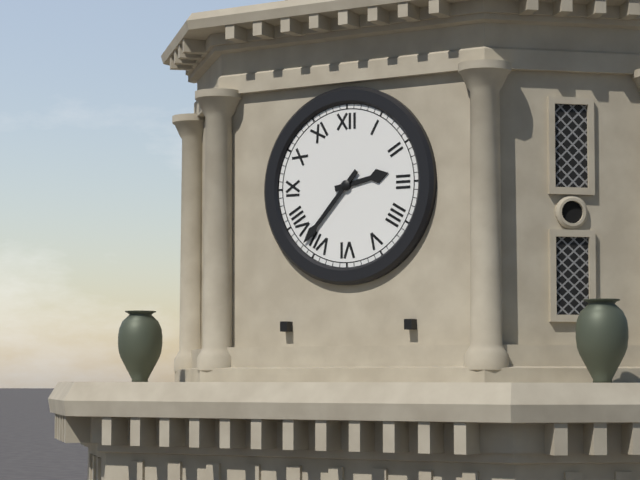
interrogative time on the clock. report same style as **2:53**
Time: **2:37**
